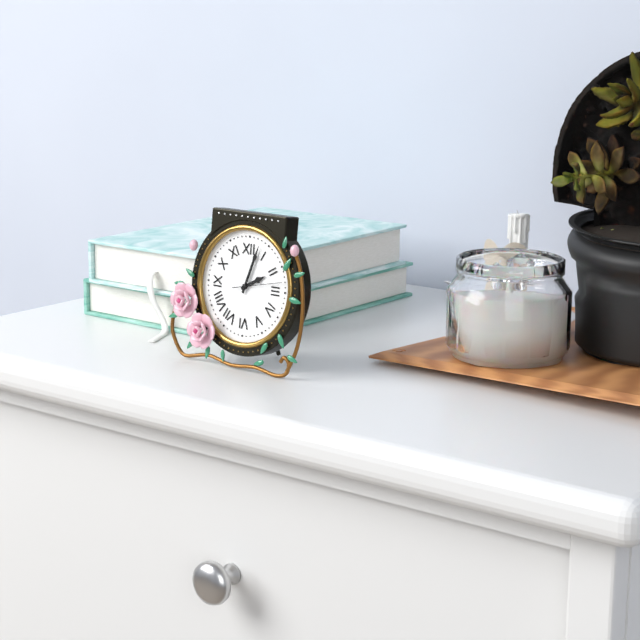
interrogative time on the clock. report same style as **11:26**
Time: **2:03**
